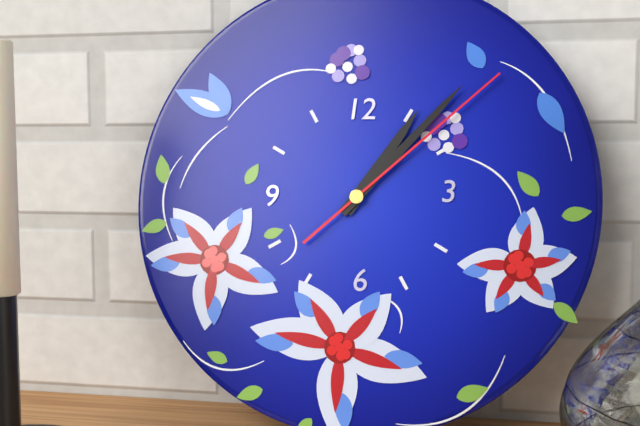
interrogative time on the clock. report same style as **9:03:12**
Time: **1:07:08**
